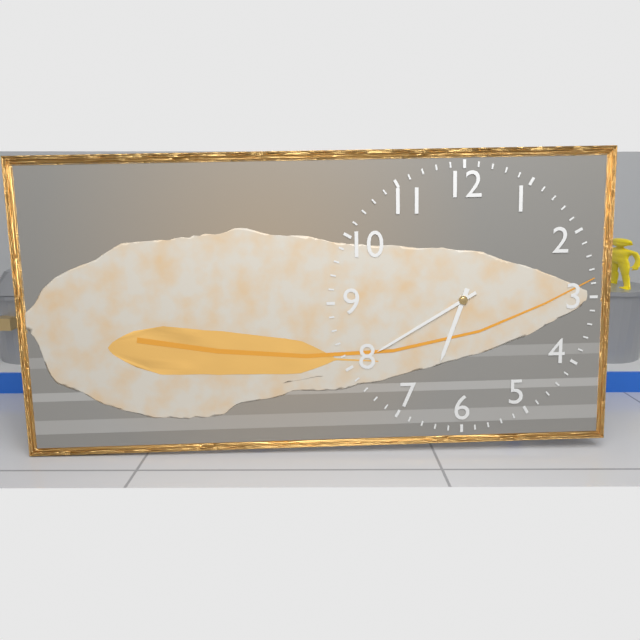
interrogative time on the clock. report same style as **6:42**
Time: **6:40**
